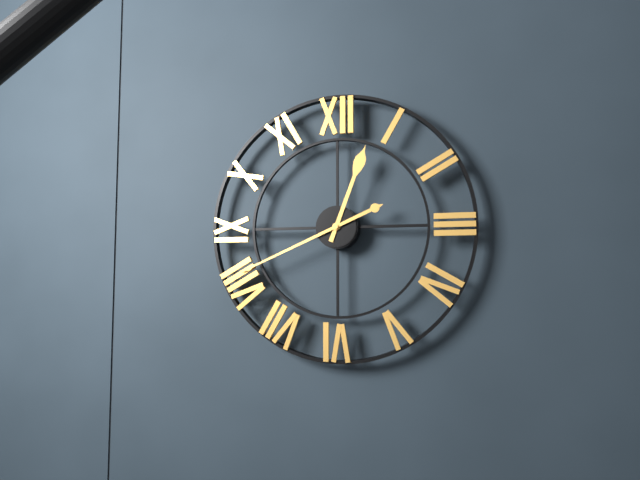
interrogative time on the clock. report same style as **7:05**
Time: **12:41**
